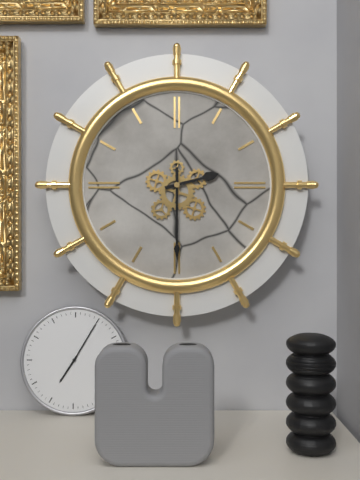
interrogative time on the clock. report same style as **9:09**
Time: **2:30**
